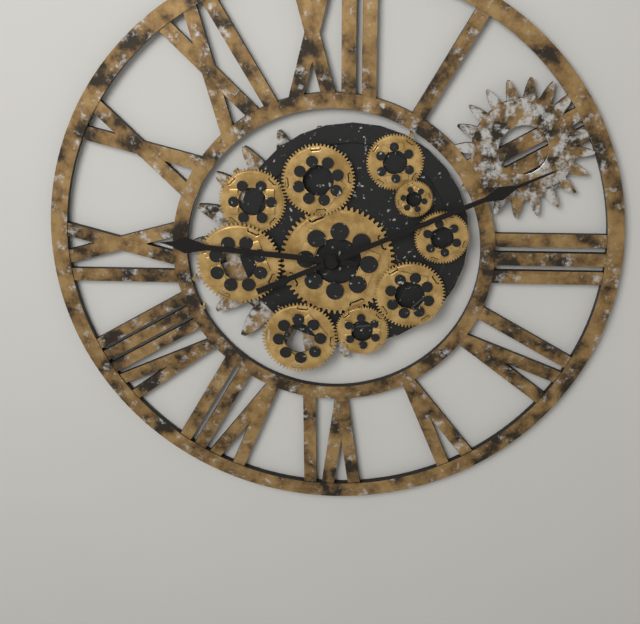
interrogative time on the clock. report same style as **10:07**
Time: **9:11**
